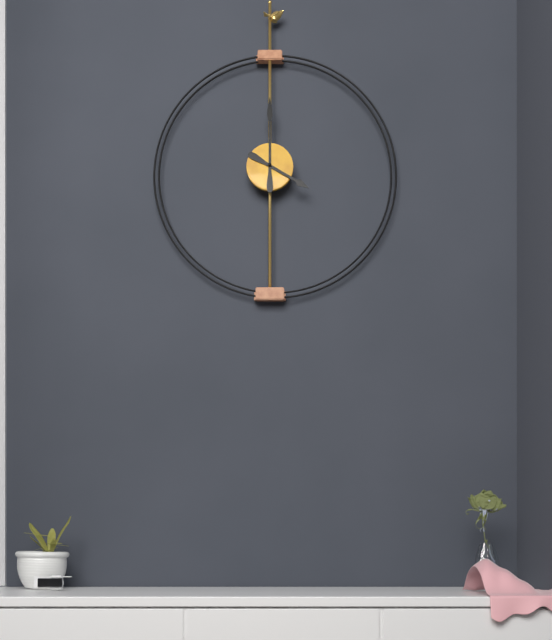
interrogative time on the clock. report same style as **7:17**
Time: **4:00**
